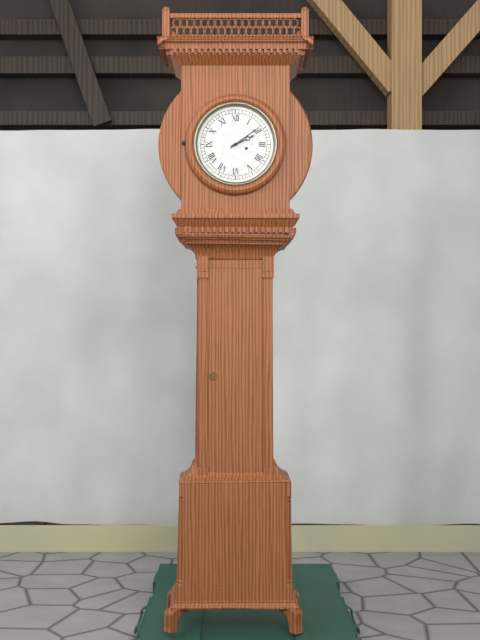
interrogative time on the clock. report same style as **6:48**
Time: **2:09**
